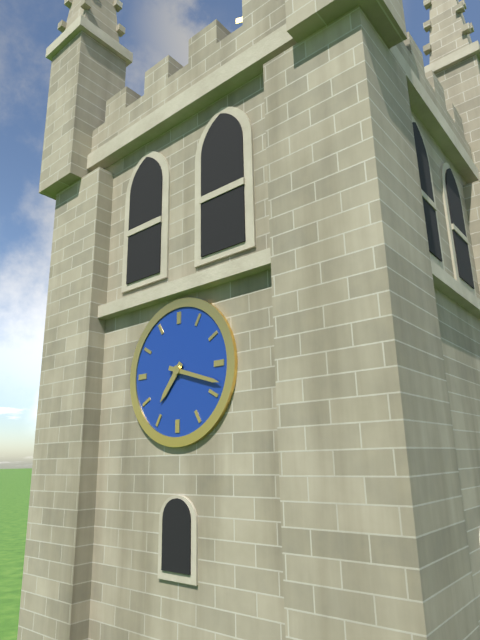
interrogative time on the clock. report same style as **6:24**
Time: **7:18**
